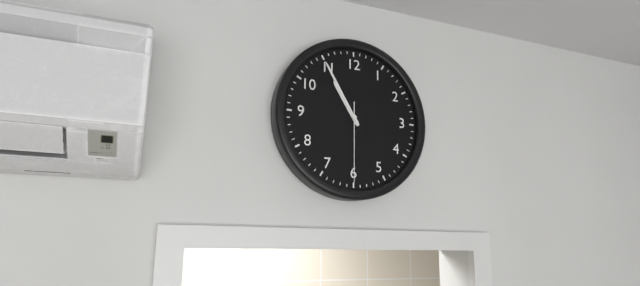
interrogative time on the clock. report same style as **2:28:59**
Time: **10:55:30**
